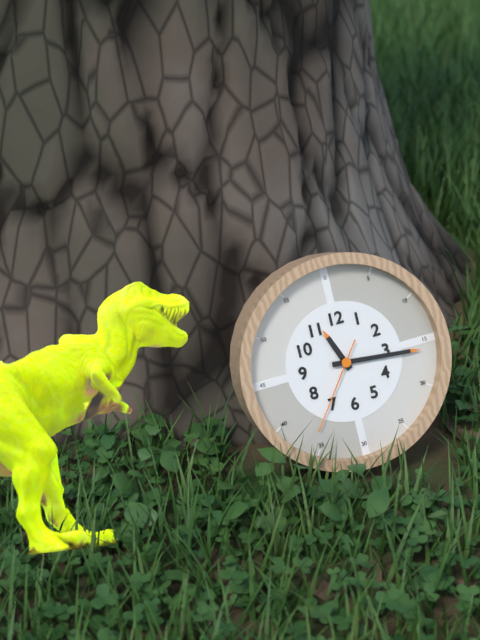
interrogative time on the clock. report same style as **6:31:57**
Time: **11:16:36**
